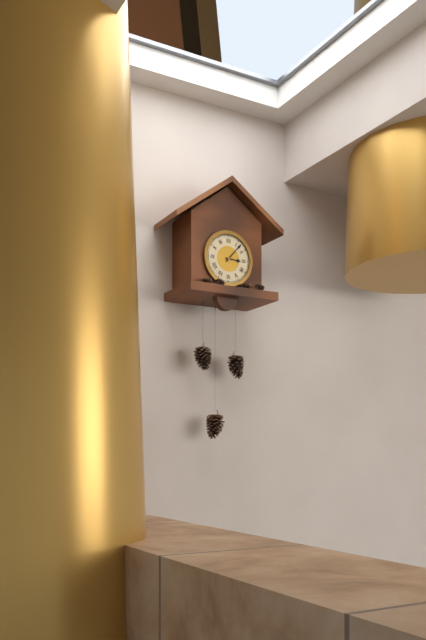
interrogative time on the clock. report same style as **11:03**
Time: **3:07**
